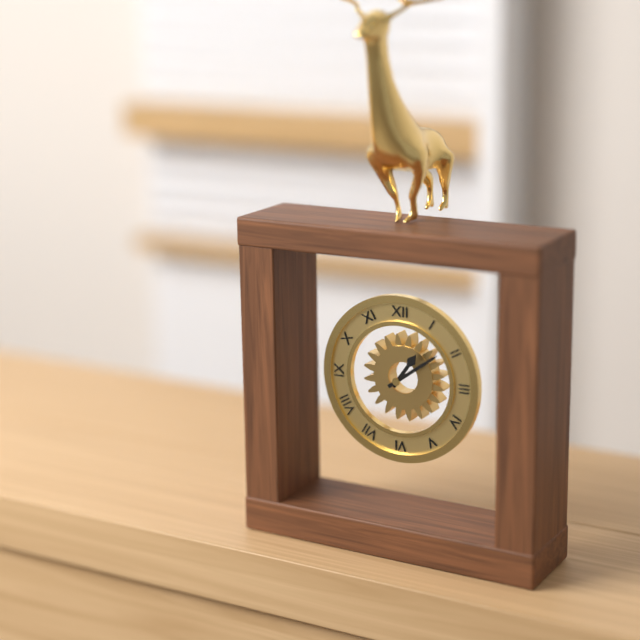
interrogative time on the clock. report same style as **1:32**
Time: **1:09**
